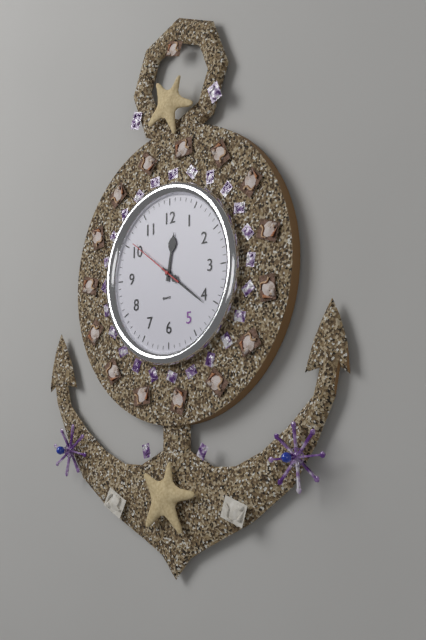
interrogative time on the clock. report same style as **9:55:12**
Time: **12:21:51**
